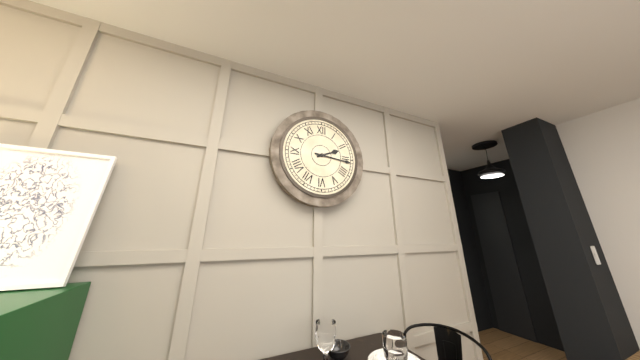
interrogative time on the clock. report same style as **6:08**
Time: **2:16**
